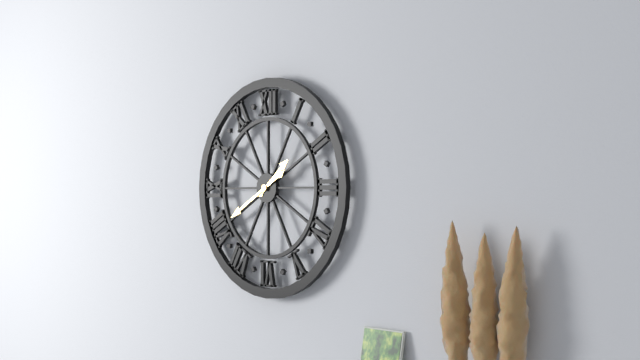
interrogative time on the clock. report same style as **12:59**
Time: **1:40**
